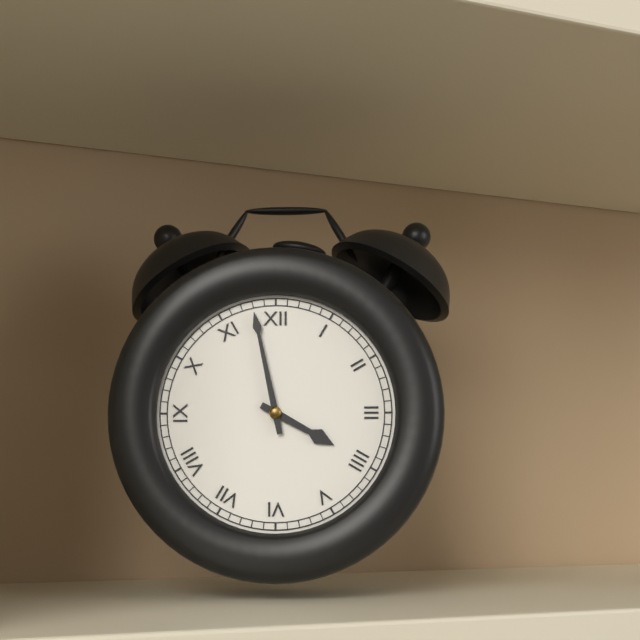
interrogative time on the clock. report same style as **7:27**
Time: **3:58**
